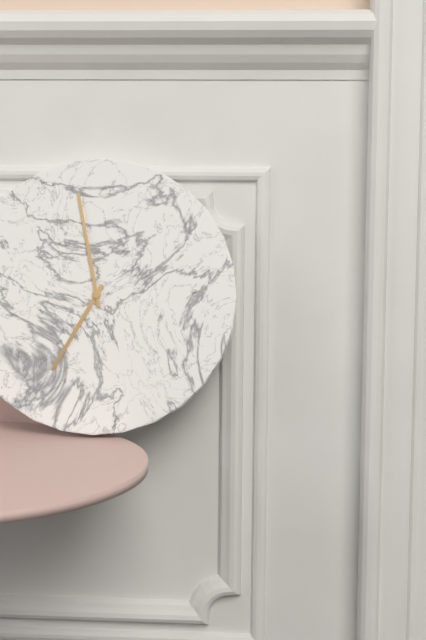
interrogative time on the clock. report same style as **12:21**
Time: **6:58**
